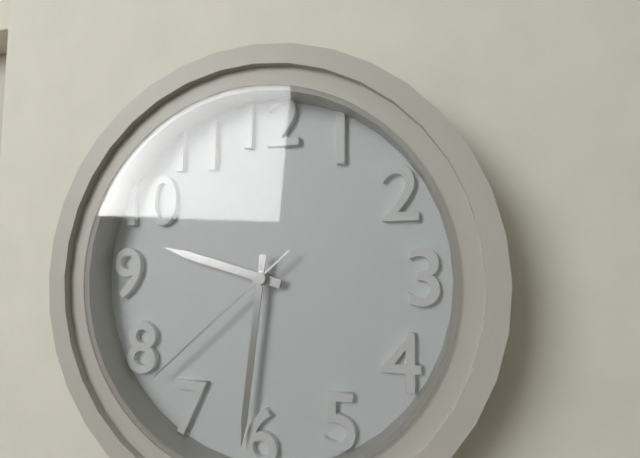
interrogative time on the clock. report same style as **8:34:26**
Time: **9:31:38**
